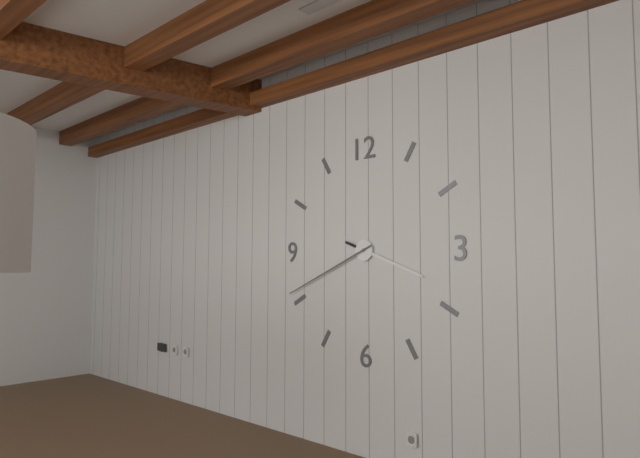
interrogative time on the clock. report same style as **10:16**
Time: **3:41**
